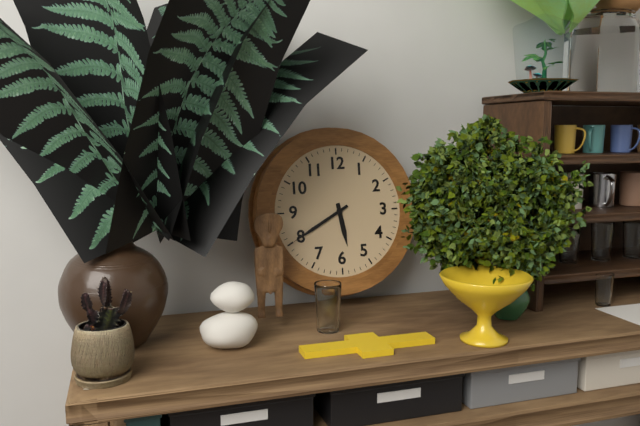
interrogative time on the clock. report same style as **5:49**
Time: **5:40**
